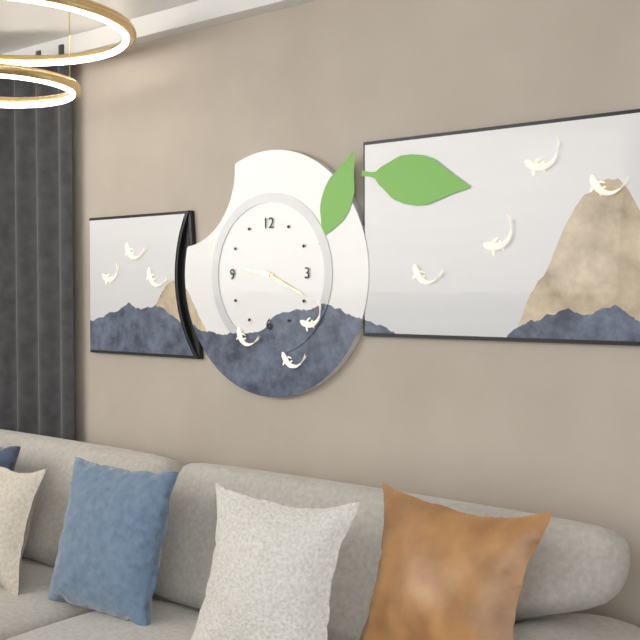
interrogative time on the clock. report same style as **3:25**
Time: **9:19**
